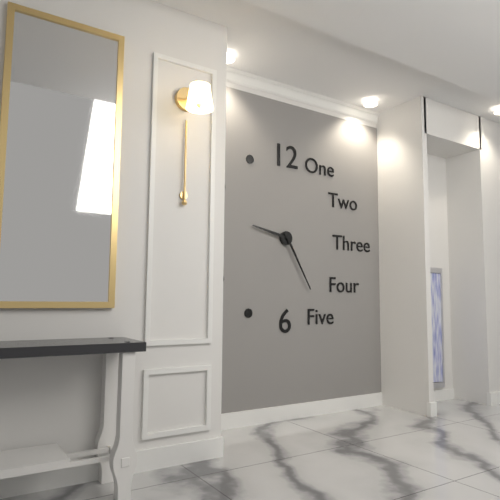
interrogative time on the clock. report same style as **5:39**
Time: **9:25**
